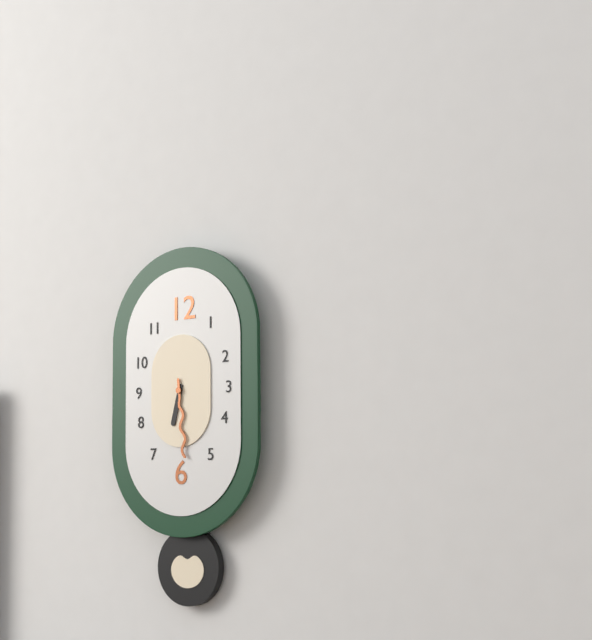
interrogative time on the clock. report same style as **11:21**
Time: **6:29**
